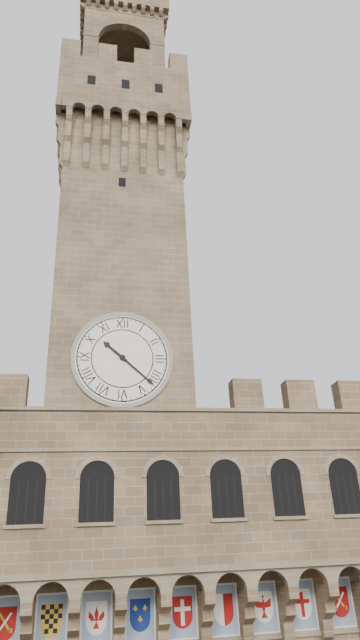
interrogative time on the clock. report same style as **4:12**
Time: **10:22**
